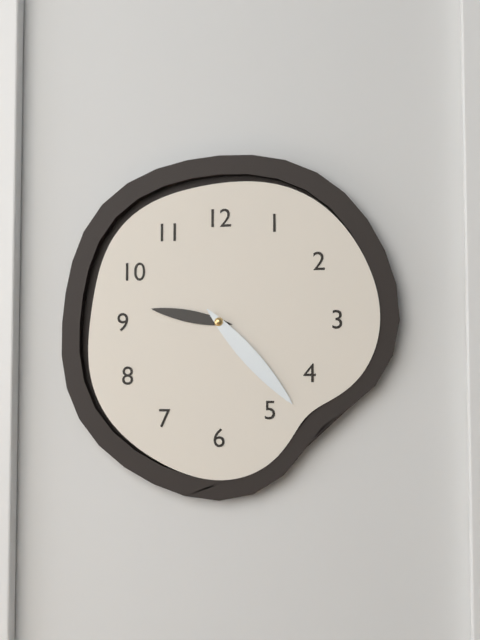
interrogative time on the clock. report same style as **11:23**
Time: **9:23**
